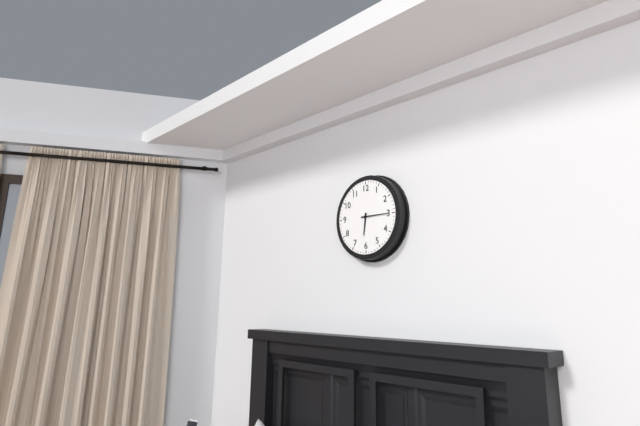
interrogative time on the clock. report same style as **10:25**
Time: **6:15**
